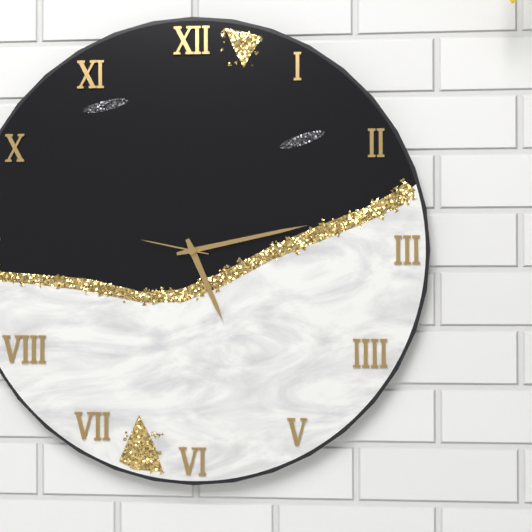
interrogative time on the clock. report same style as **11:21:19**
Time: **5:13:47**
